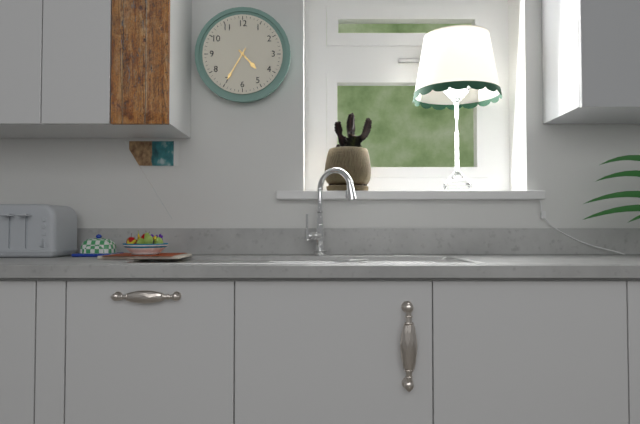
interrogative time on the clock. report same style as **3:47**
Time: **4:35**
